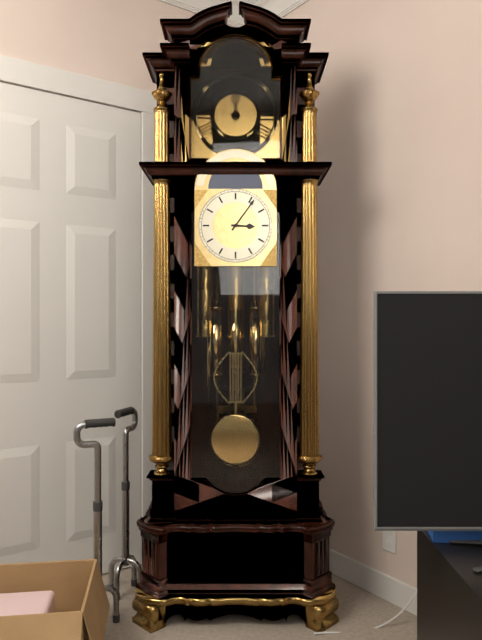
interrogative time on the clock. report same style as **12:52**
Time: **3:06**
